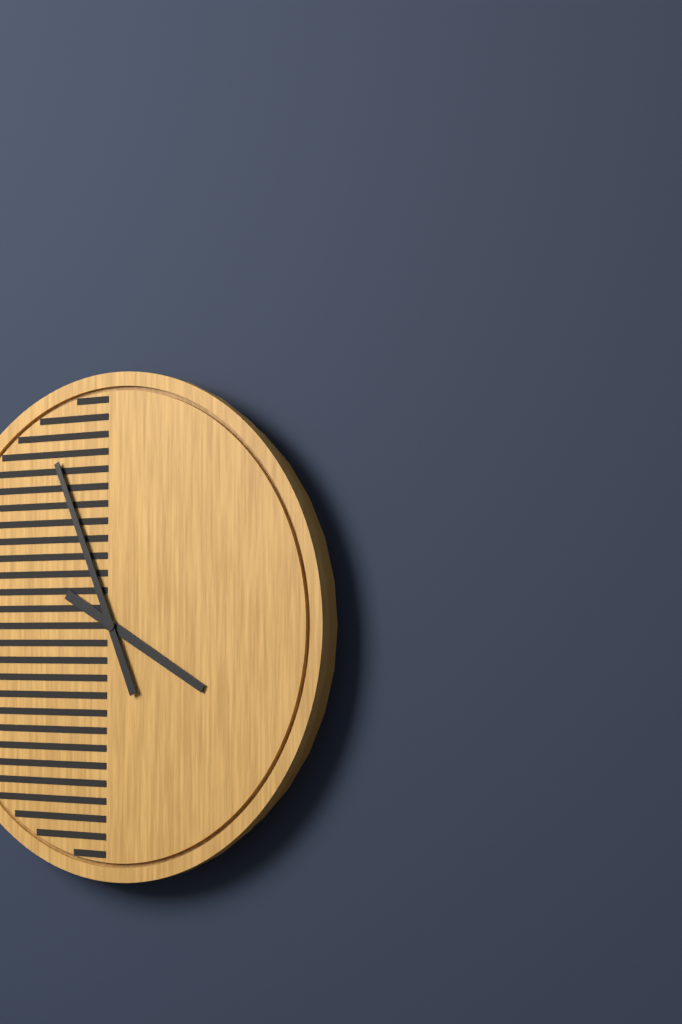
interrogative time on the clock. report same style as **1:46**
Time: **3:56**
